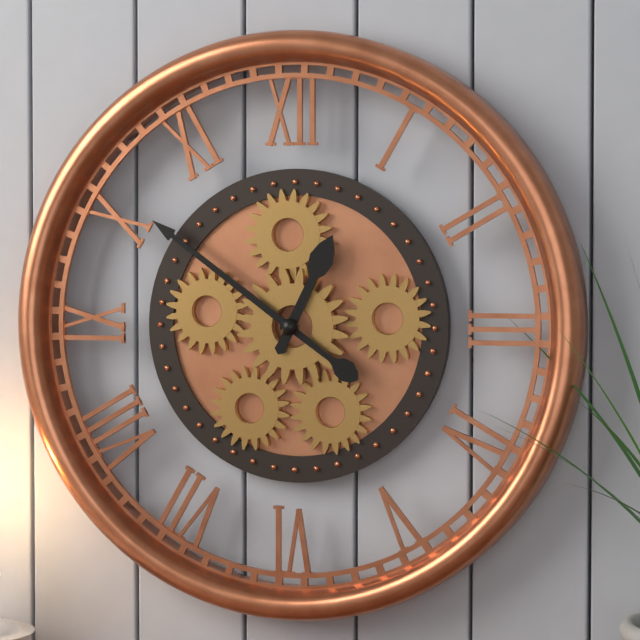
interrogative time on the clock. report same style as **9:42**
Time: **12:51**
